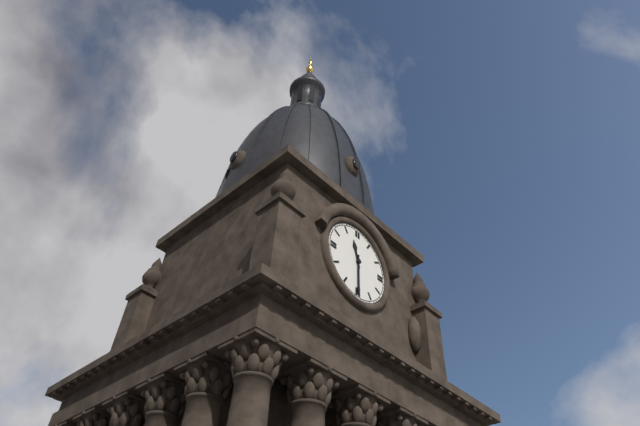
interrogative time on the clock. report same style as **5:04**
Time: **11:30**
